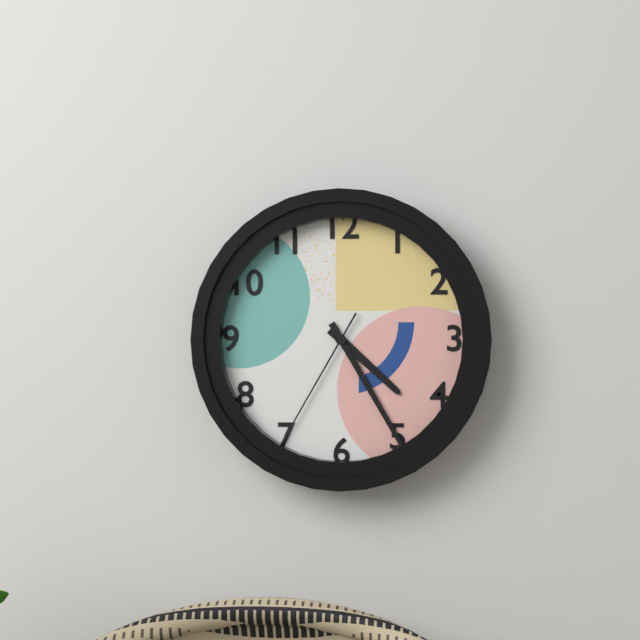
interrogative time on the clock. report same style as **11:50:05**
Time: **4:25:35**
